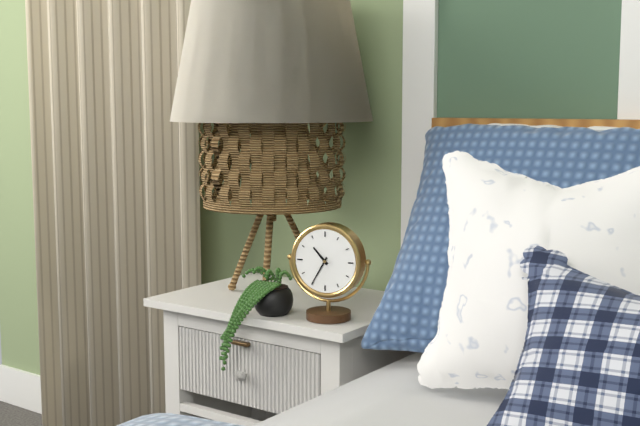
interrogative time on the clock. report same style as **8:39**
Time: **10:35**
